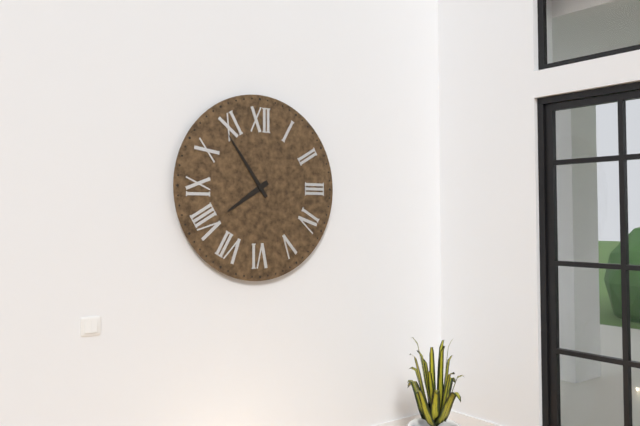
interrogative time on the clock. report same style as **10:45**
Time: **7:54**
